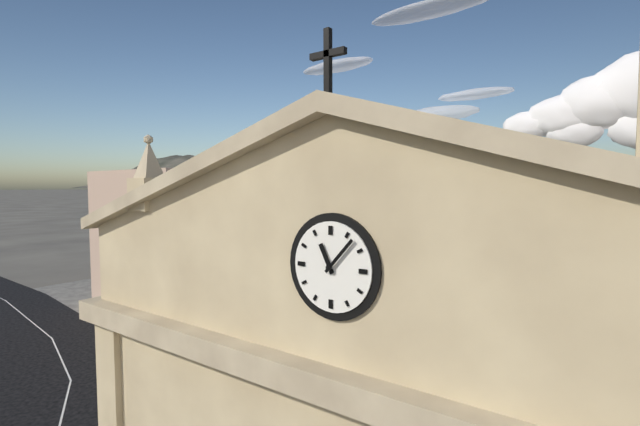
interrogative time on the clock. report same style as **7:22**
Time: **11:07**
